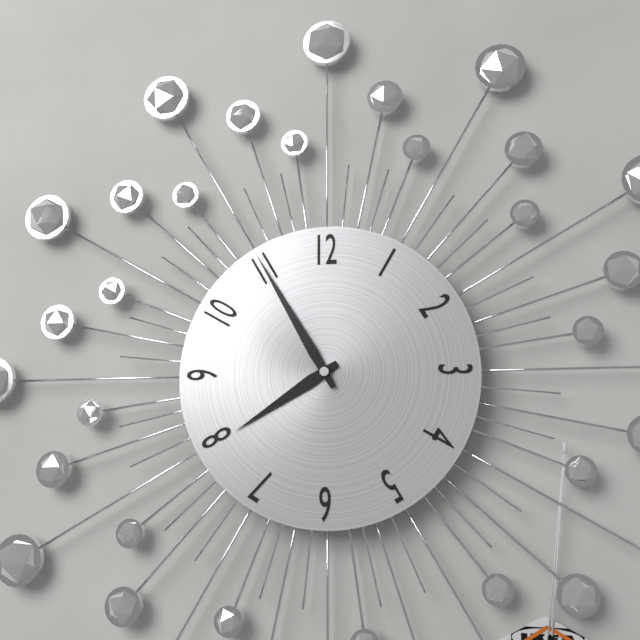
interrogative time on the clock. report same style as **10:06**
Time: **7:55**
